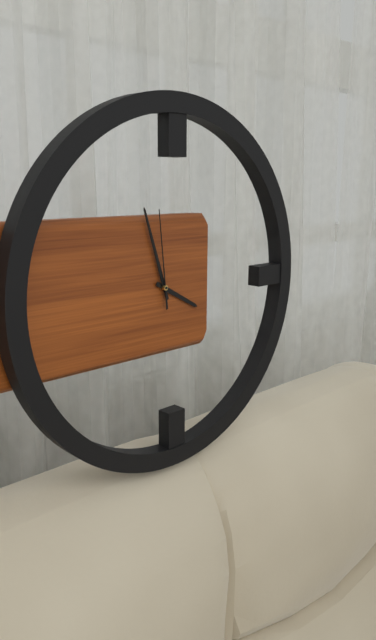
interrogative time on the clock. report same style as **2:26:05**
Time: **3:57:59**
